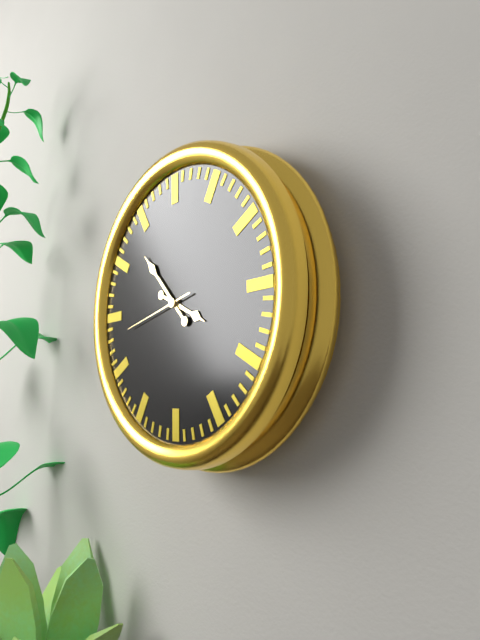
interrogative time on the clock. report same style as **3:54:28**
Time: **3:53:43**
